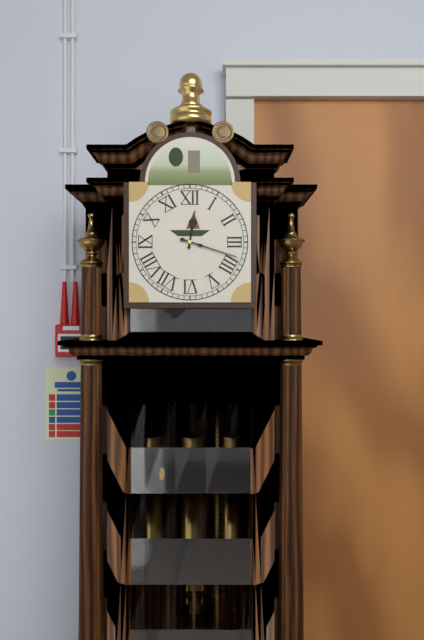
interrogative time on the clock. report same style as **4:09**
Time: **12:18**
